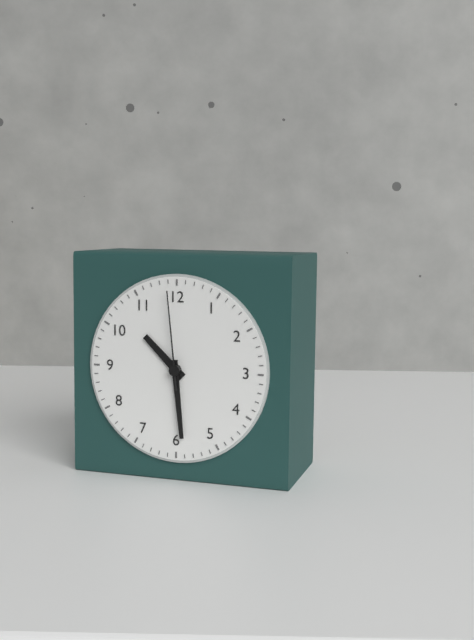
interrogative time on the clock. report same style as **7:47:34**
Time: **10:29:59**
